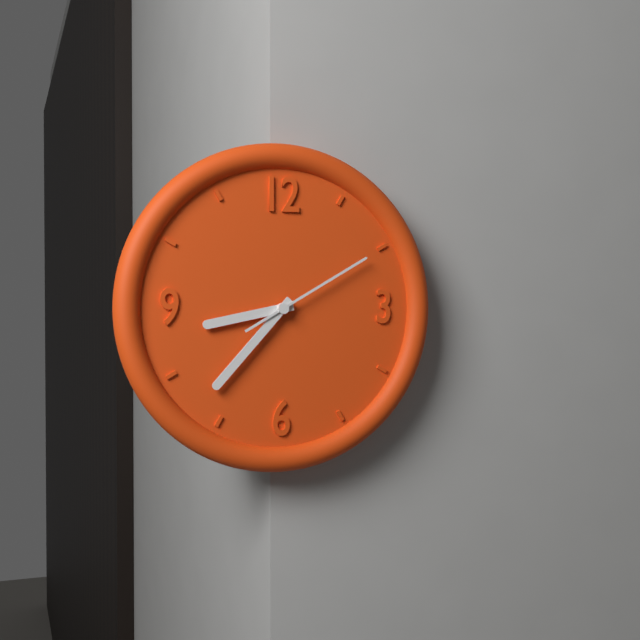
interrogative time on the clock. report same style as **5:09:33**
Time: **8:37:10**
